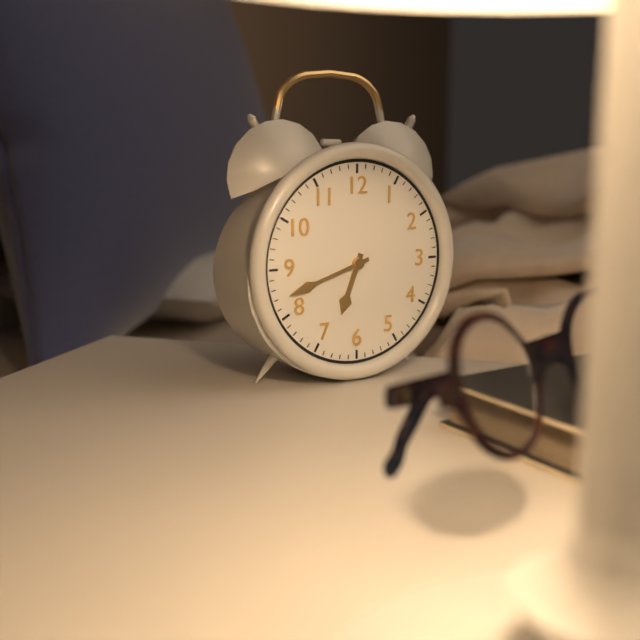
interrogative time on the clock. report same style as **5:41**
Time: **6:42**
